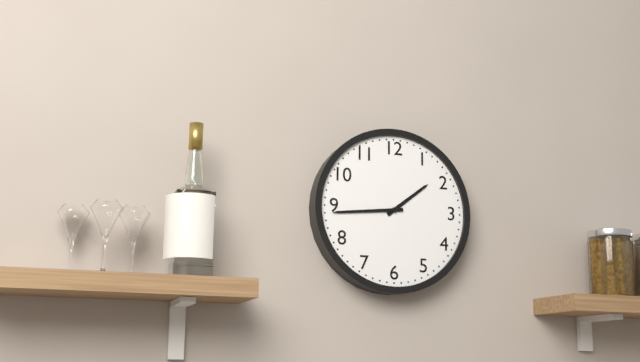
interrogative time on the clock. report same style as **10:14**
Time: **1:44**
